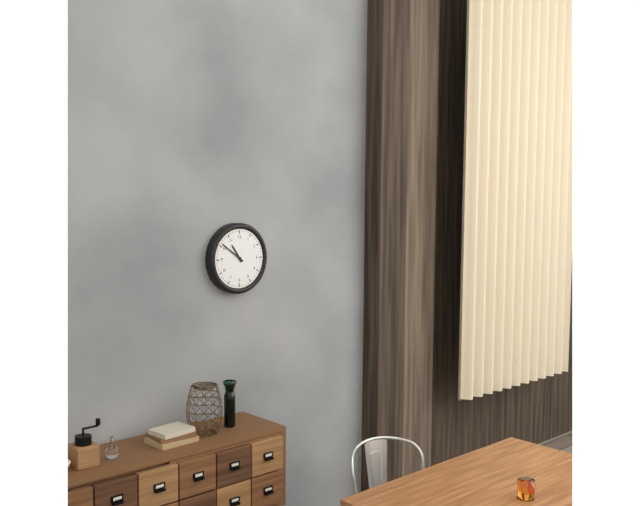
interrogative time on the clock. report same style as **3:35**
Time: **10:51**
